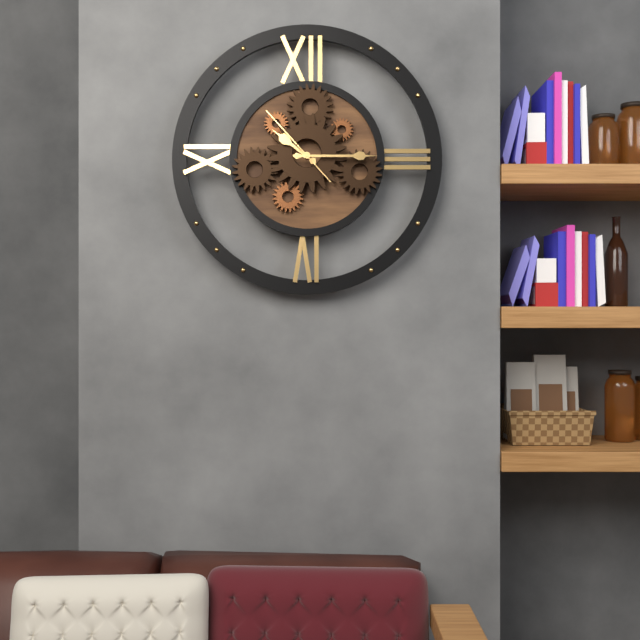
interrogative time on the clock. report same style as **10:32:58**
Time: **10:15:53**
